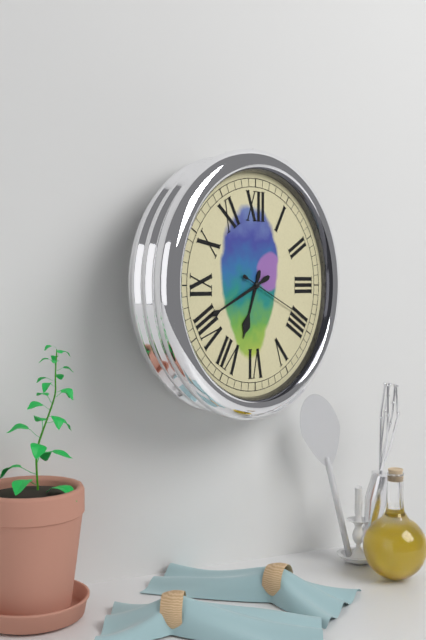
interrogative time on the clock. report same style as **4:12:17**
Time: **6:41:19**
